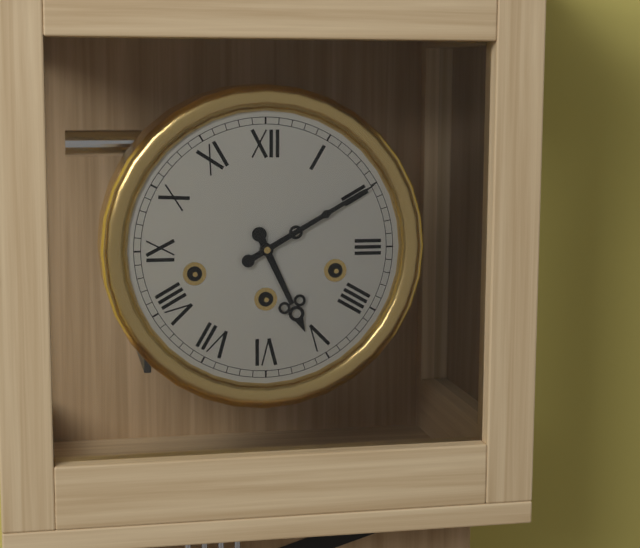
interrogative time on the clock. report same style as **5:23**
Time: **5:10**
